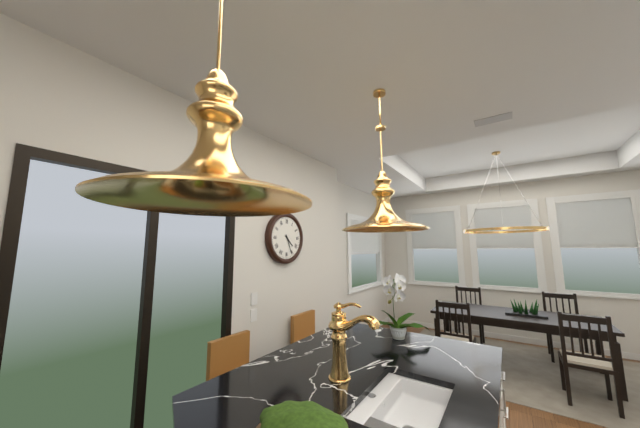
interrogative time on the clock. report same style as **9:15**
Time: **4:26**
